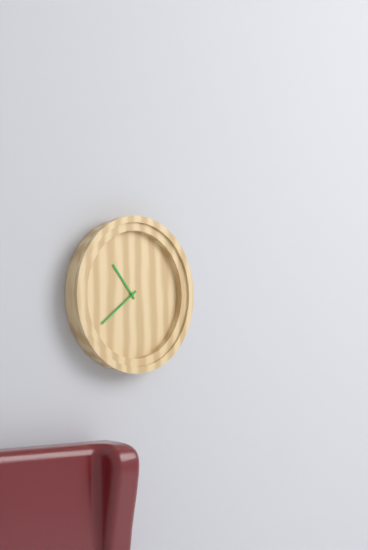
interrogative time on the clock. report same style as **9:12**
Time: **10:39**
